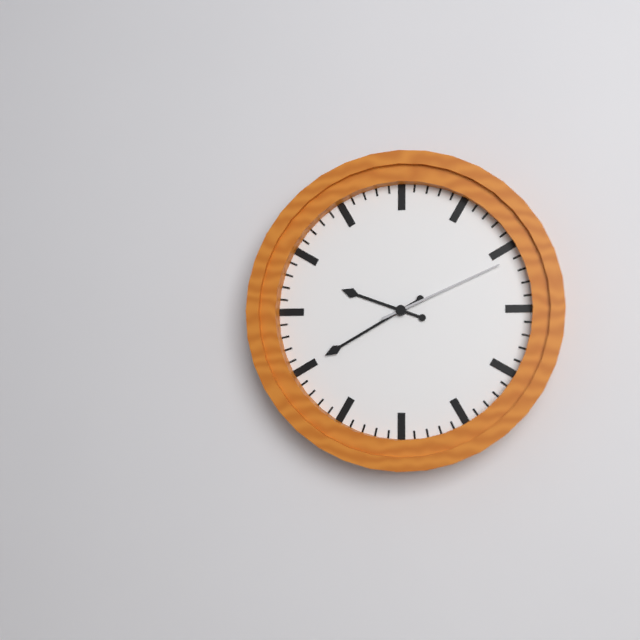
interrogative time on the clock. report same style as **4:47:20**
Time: **9:40:11**
